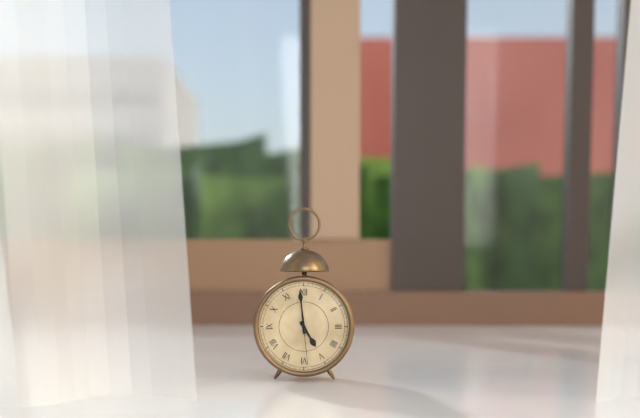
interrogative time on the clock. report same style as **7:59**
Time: **4:59**
